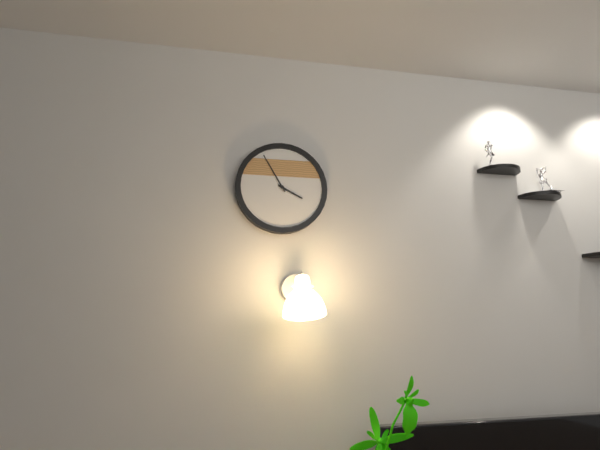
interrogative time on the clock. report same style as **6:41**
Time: **3:55**
